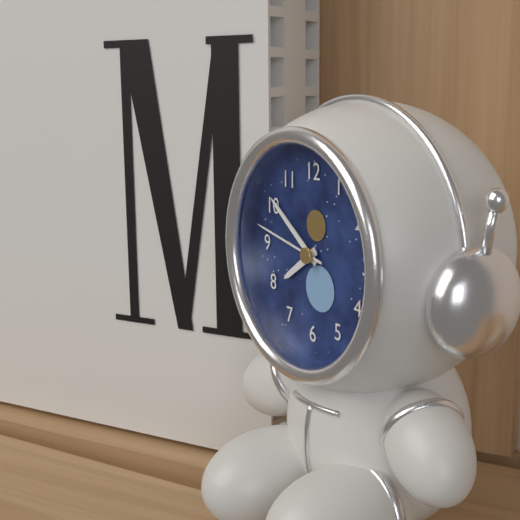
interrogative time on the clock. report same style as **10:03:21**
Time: **7:51:47**
